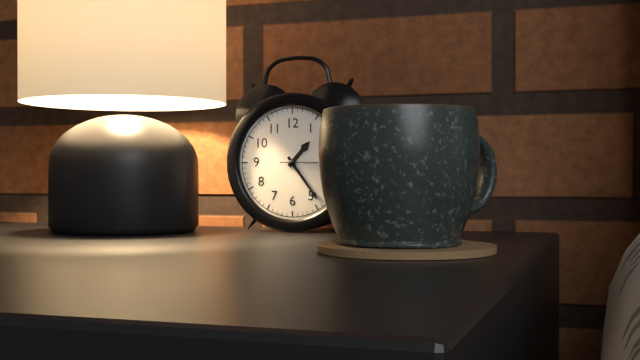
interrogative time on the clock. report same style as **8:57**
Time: **1:24**
